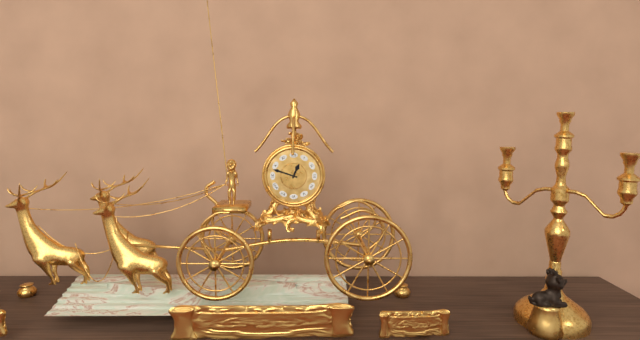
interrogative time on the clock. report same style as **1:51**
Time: **12:48**
